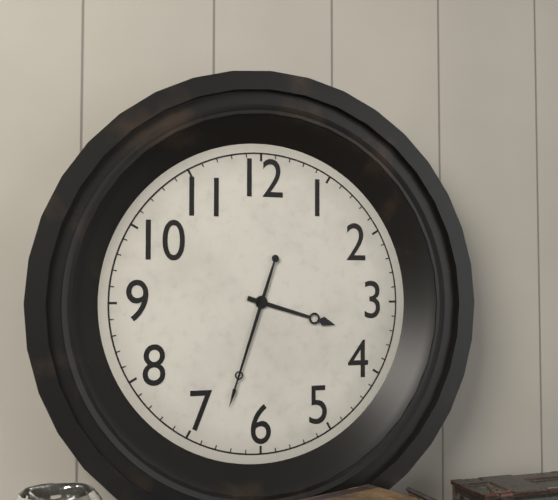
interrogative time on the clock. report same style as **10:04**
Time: **3:33**
